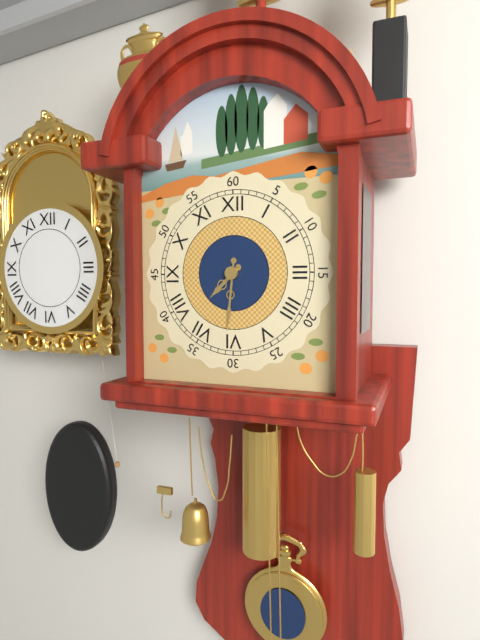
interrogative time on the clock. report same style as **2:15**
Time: **7:31**
